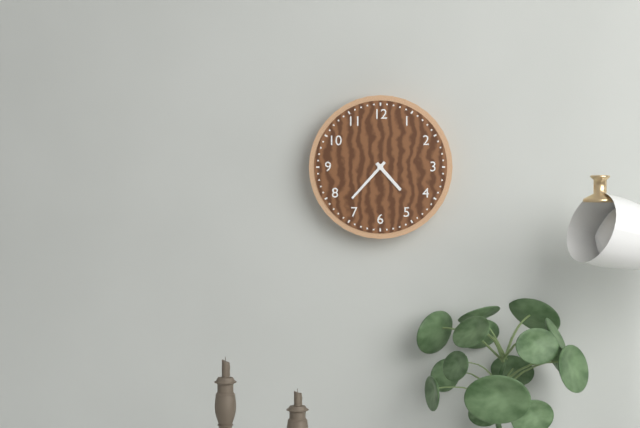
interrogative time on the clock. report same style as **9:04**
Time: **4:37**
